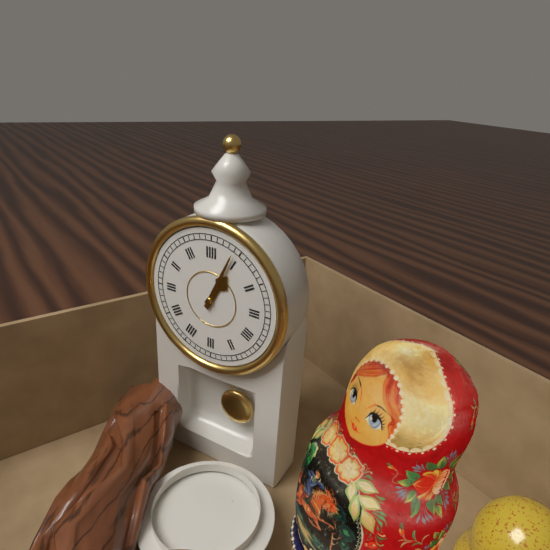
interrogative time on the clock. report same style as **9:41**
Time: **1:04**
